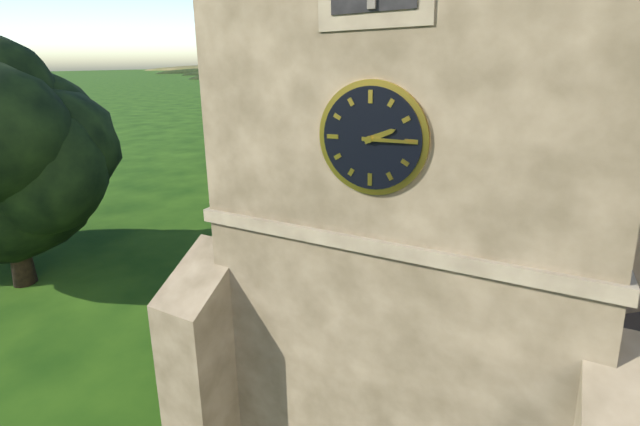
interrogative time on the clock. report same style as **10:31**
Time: **2:15**
